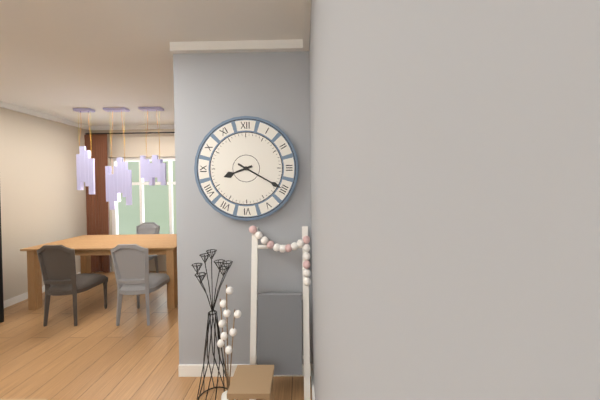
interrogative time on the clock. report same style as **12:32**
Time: **8:20**
